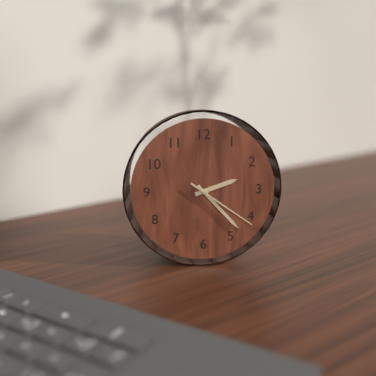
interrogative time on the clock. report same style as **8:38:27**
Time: **2:23:21**
